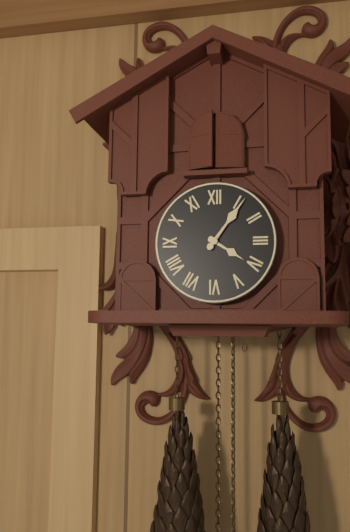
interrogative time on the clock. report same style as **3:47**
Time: **4:06**
